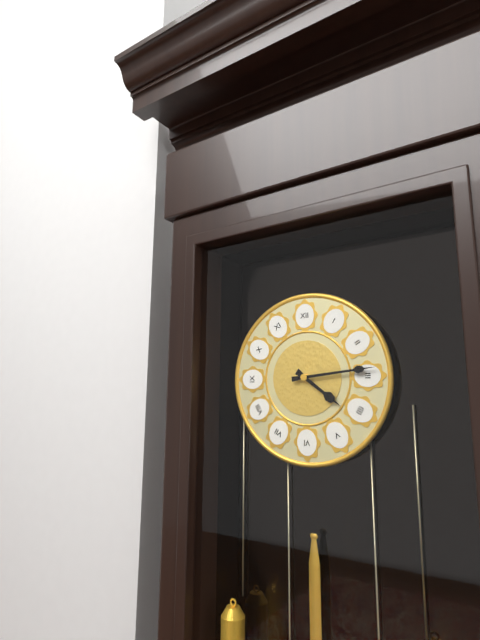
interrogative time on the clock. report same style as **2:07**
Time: **4:14**
